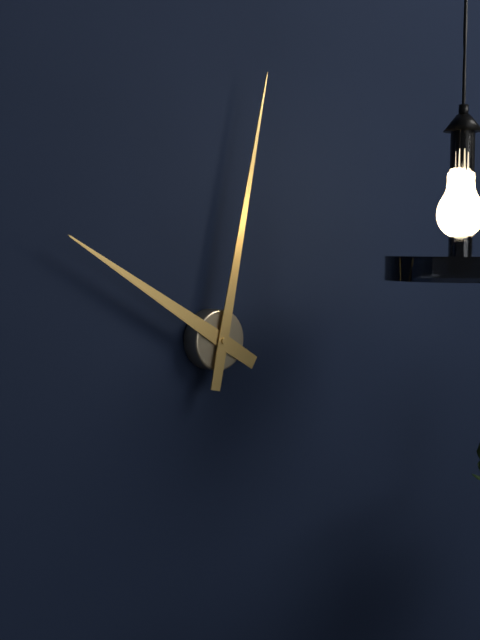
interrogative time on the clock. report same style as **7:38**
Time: **10:02**
